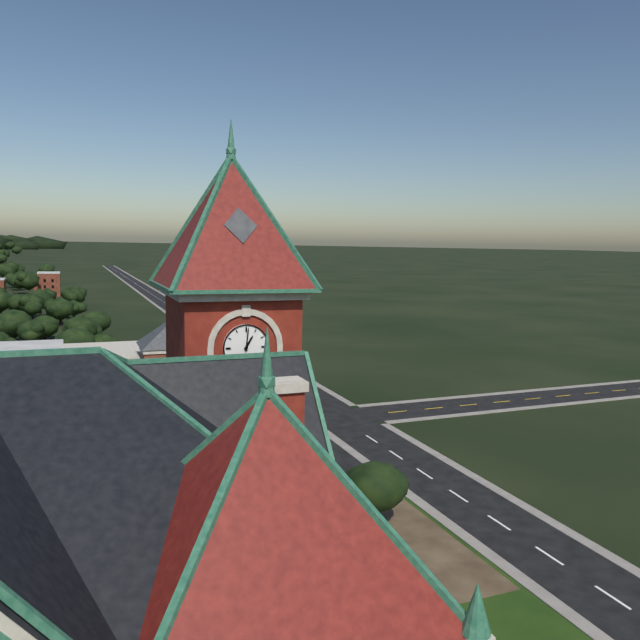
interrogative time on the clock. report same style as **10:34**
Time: **1:01**
